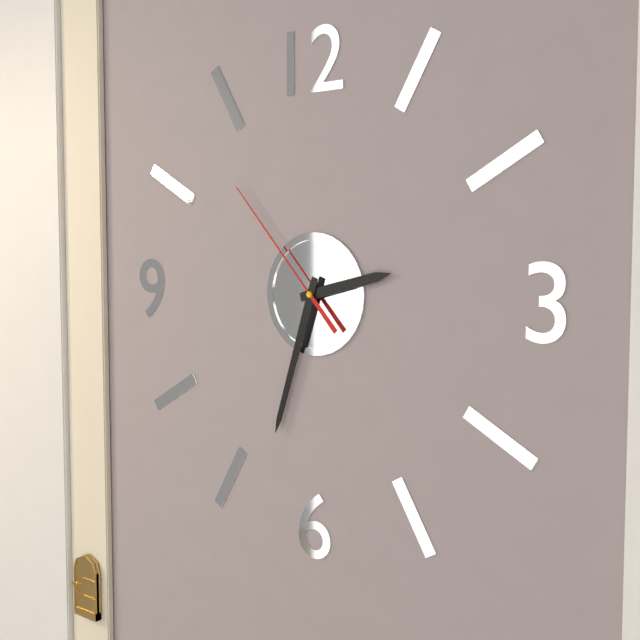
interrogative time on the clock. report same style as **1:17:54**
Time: **2:33:53**
